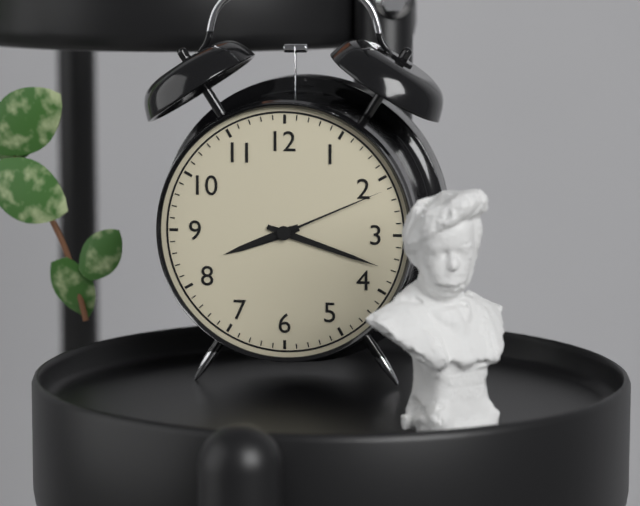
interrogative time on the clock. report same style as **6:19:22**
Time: **8:18:11**
